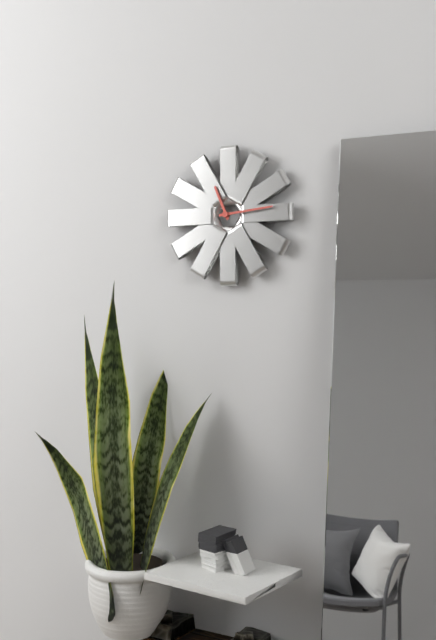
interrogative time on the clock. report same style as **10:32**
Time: **11:14**
